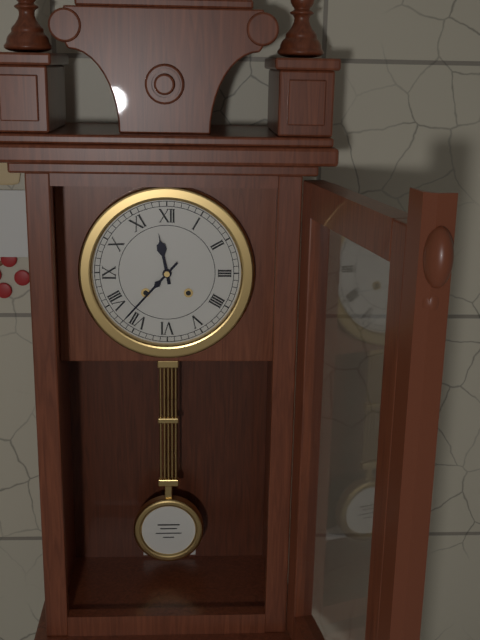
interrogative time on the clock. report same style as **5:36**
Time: **11:37**
